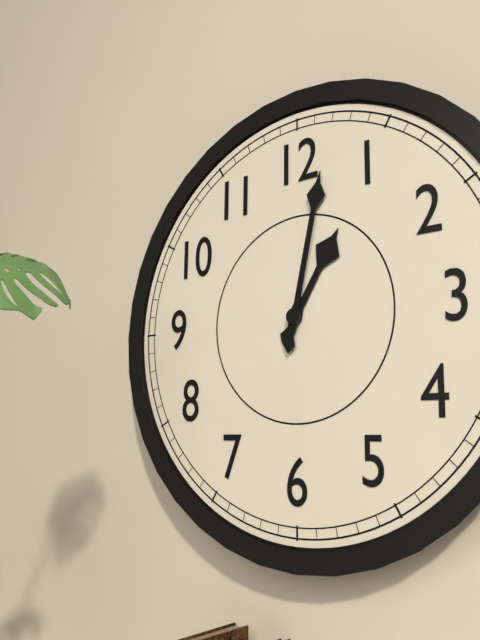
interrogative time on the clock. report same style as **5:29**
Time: **1:02**
